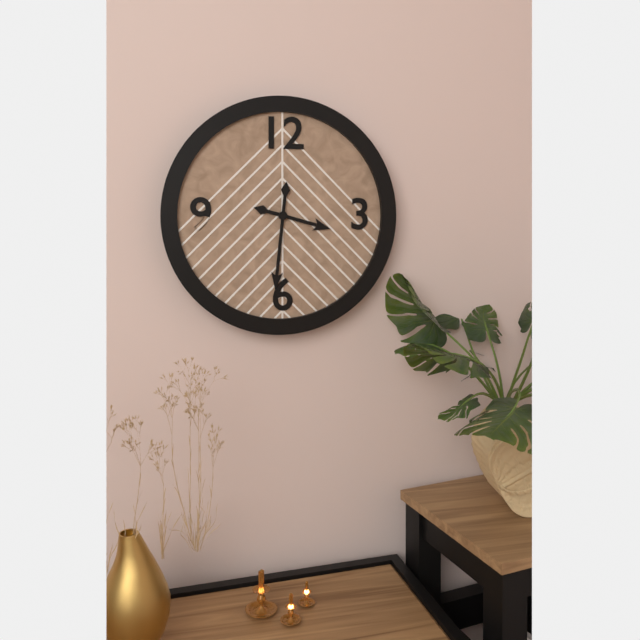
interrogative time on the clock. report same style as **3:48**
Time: **3:31**
